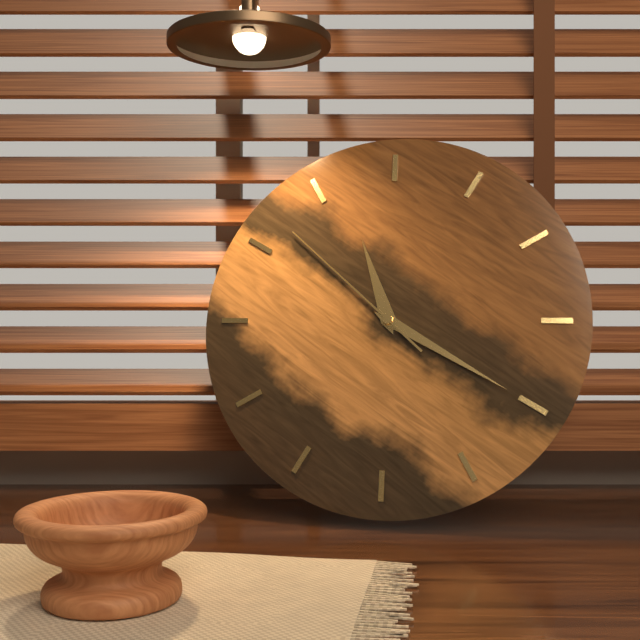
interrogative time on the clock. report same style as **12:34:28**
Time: **11:20:52**
